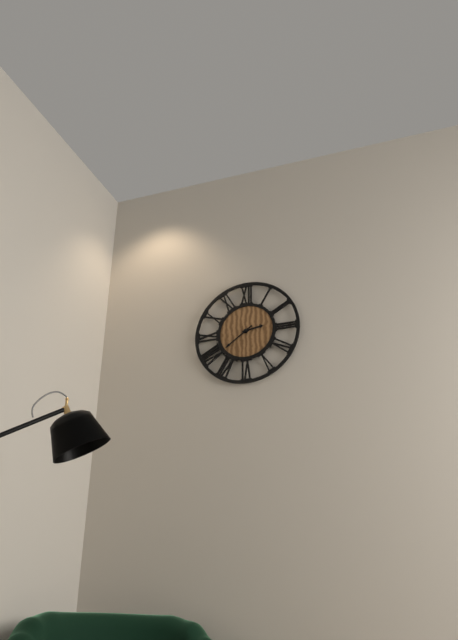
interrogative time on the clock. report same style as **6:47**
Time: **2:39**
